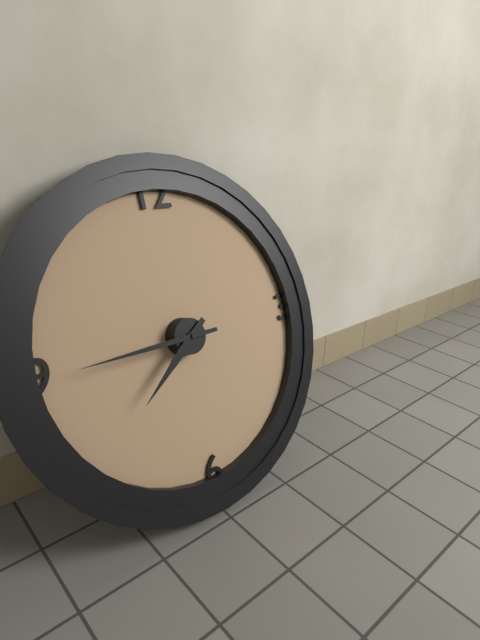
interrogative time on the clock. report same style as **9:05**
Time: **7:45**
